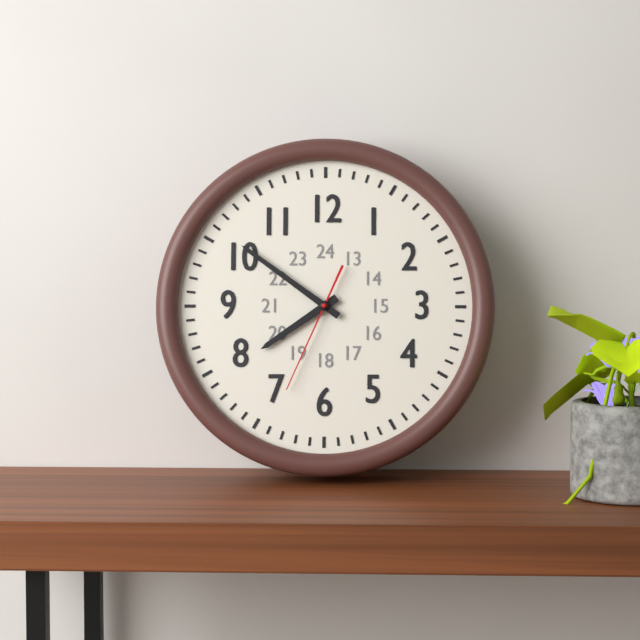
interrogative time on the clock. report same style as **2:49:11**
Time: **7:51:34**
